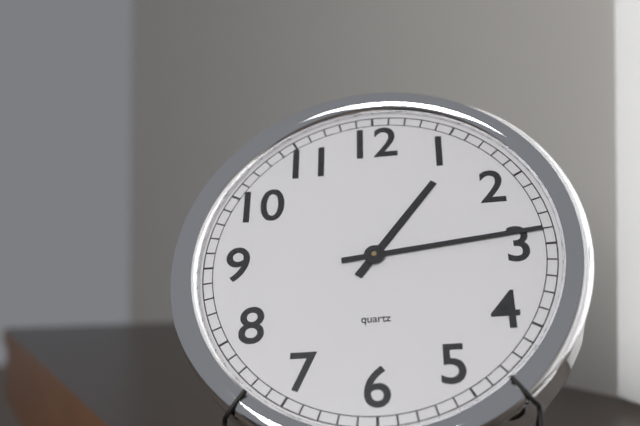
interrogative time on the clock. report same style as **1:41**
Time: **1:14**
